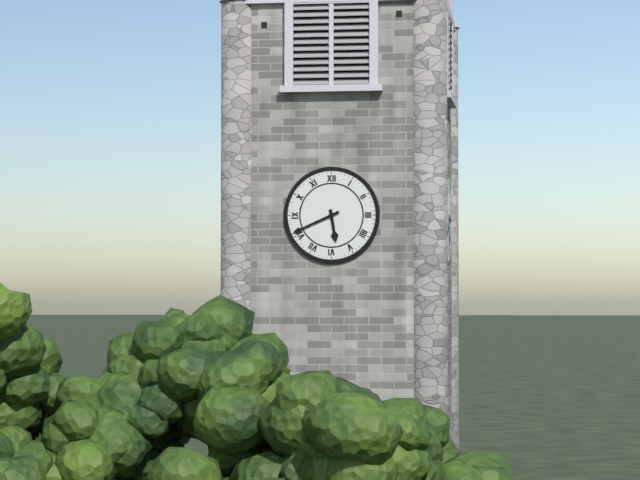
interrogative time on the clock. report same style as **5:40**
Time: **5:41**
